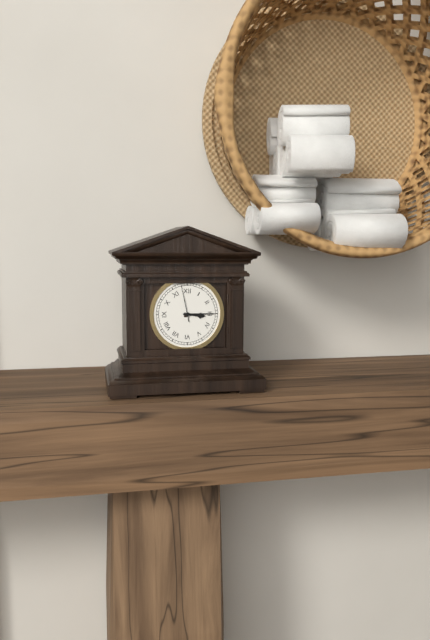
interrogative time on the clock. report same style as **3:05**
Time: **3:15**
